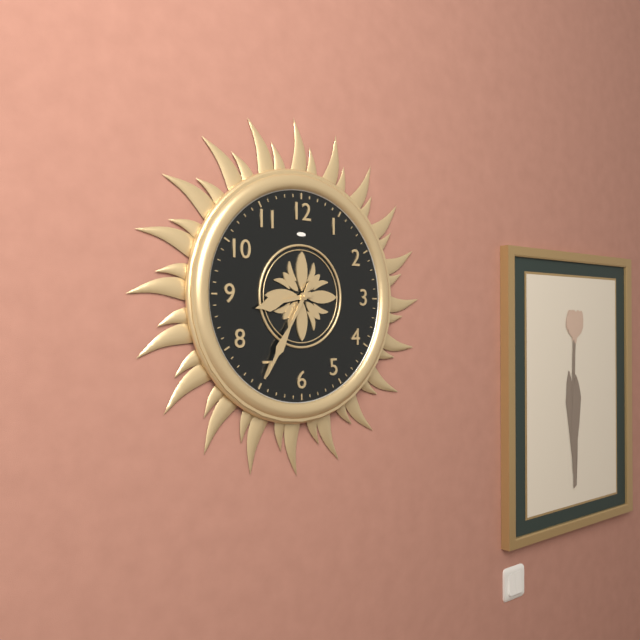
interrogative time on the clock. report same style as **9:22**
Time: **8:35**
